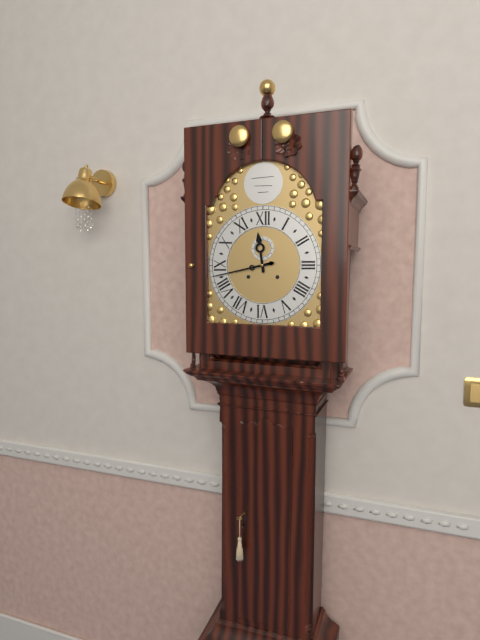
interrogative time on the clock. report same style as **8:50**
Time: **11:43**
